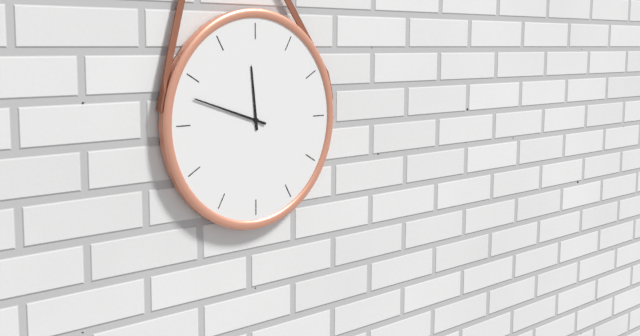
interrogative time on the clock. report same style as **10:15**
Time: **11:48**
